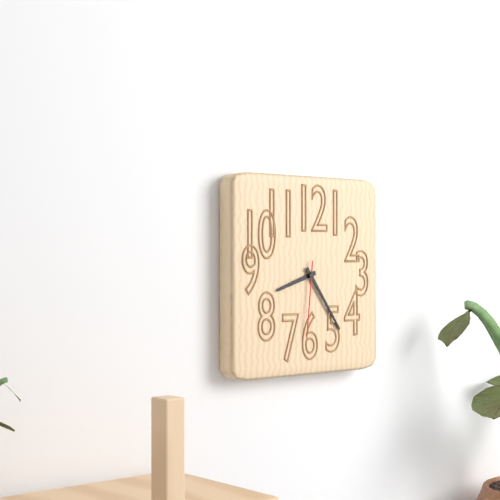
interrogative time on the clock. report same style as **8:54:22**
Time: **8:24:31**
